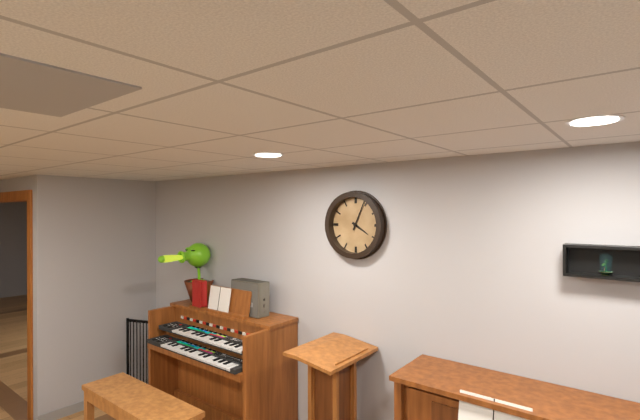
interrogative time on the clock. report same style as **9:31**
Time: **4:04**
